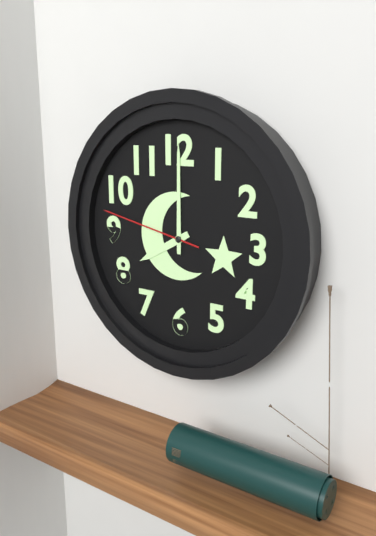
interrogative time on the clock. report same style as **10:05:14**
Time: **8:00:47**
